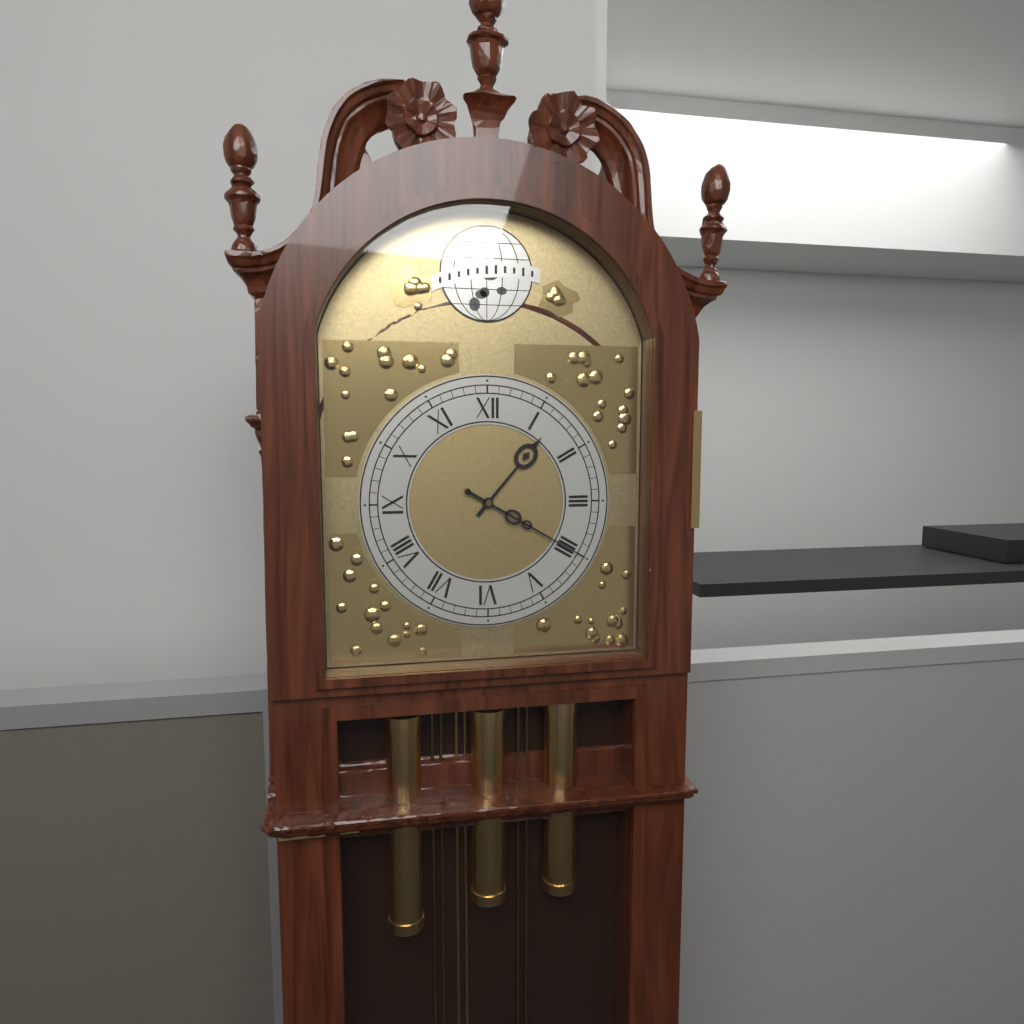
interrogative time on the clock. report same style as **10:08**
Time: **1:20**
